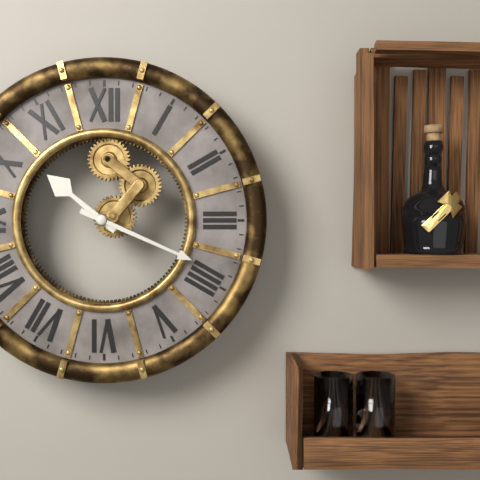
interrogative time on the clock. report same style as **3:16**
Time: **10:19**
